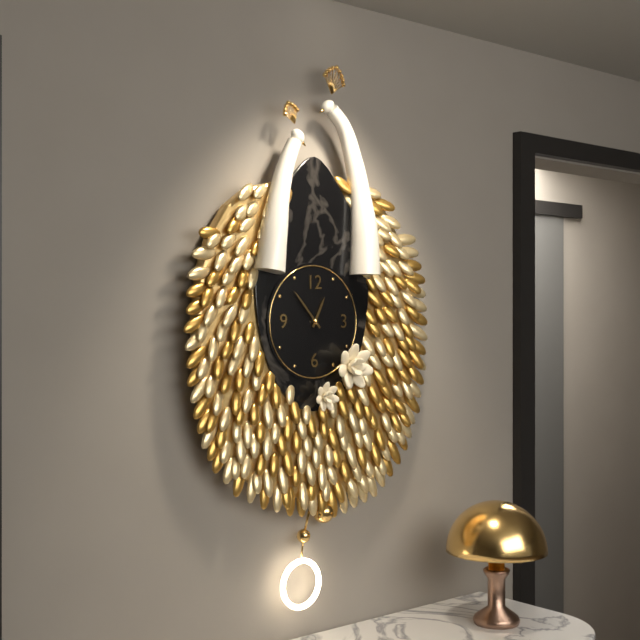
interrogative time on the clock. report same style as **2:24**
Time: **12:53**
